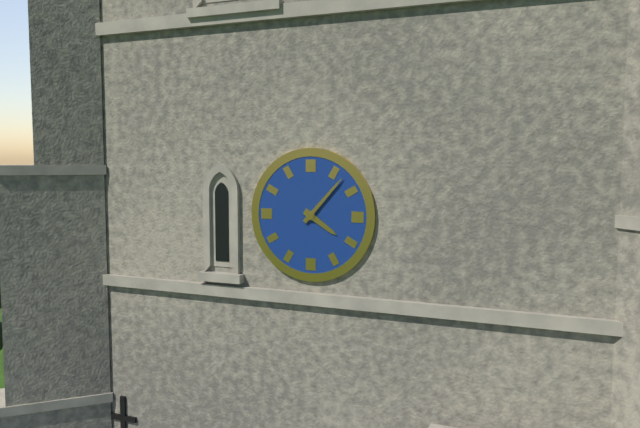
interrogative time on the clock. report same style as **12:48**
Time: **4:07**
